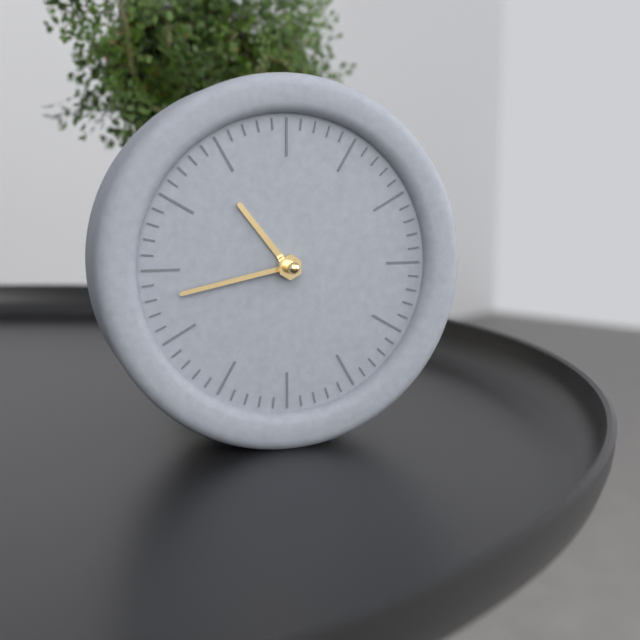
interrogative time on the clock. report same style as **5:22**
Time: **10:43**
